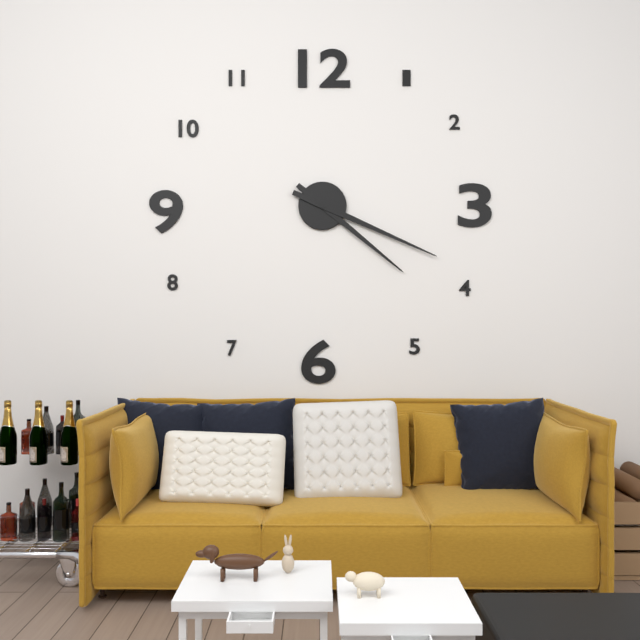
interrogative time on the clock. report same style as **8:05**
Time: **4:19**
